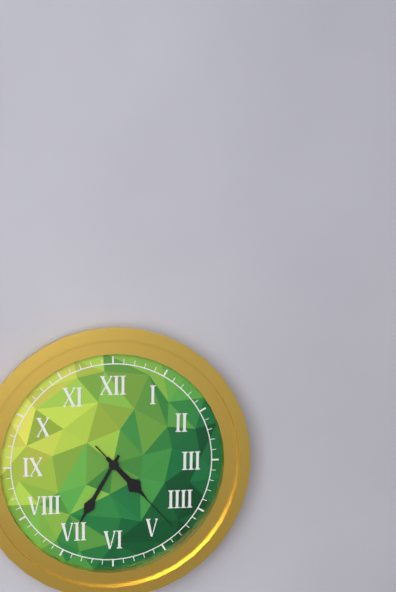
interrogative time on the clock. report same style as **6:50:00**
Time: **4:35:23**
